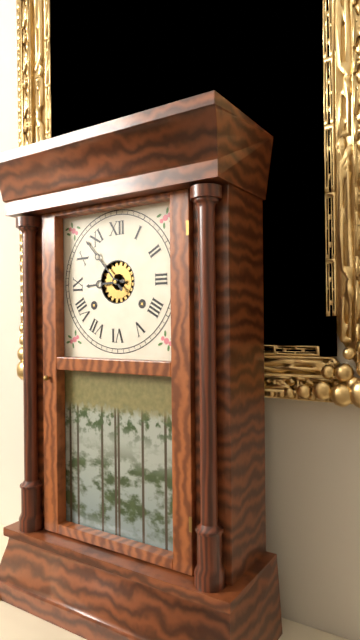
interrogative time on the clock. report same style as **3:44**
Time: **8:53**
